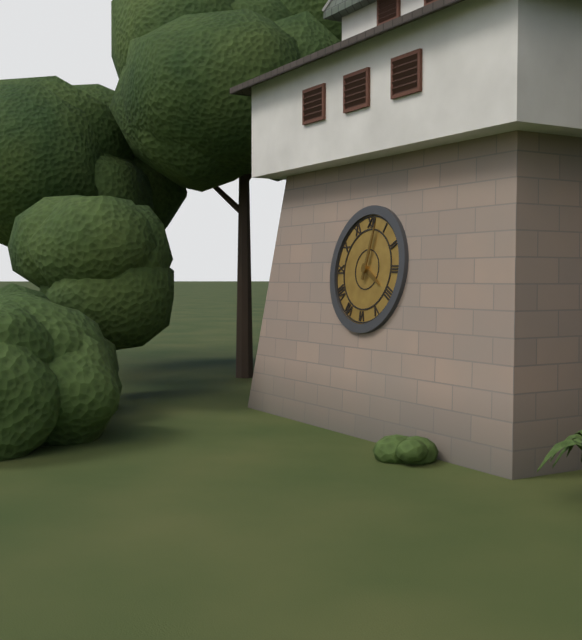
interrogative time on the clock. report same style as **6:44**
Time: **4:02**
